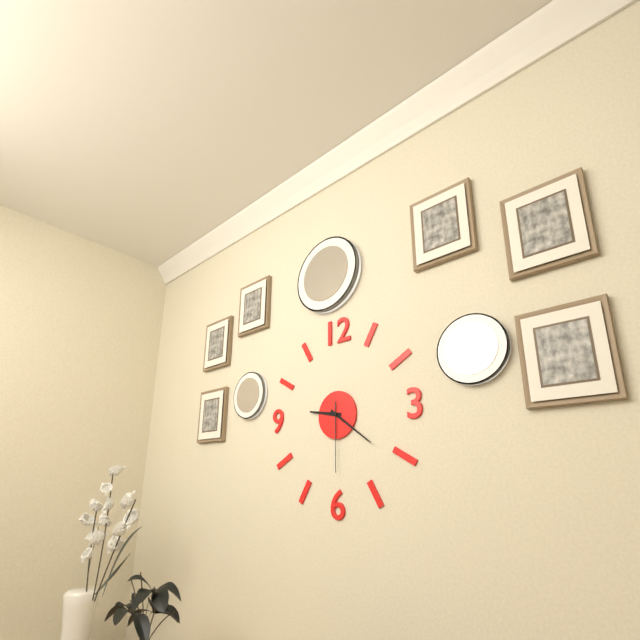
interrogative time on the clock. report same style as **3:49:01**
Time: **9:21:30**
